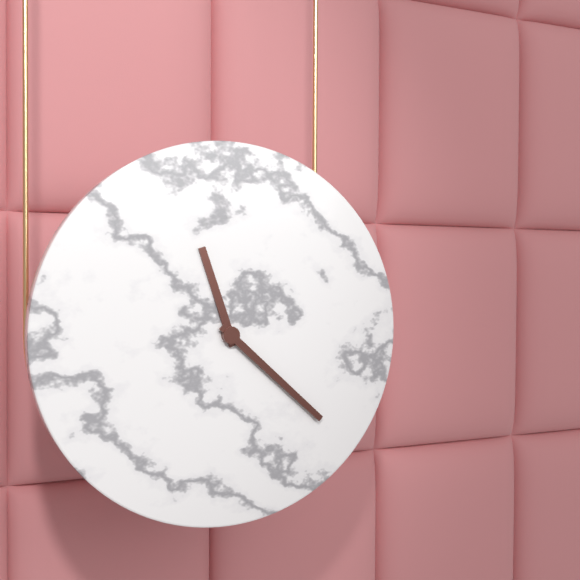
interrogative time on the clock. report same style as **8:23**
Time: **11:22**
